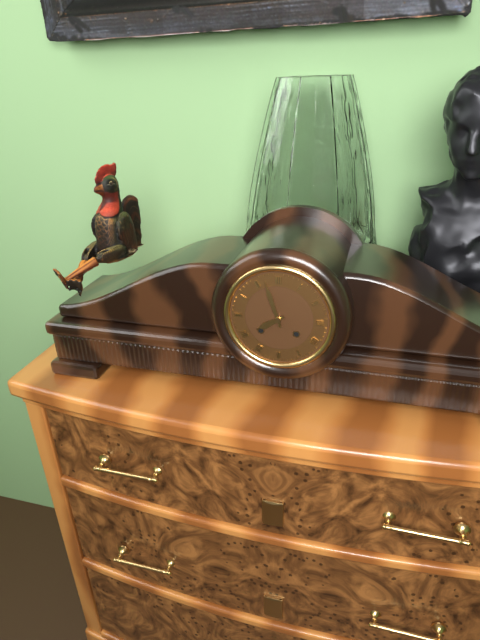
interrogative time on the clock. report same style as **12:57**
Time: **7:57**
